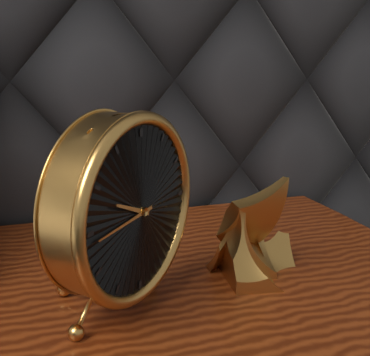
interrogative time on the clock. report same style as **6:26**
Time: **9:44**
